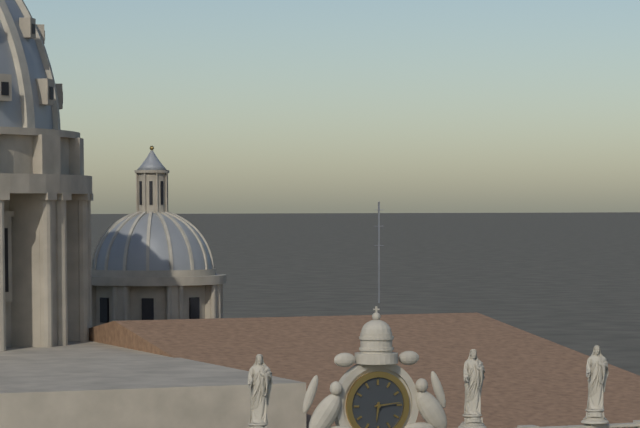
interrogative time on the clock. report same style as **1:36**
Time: **6:14**
